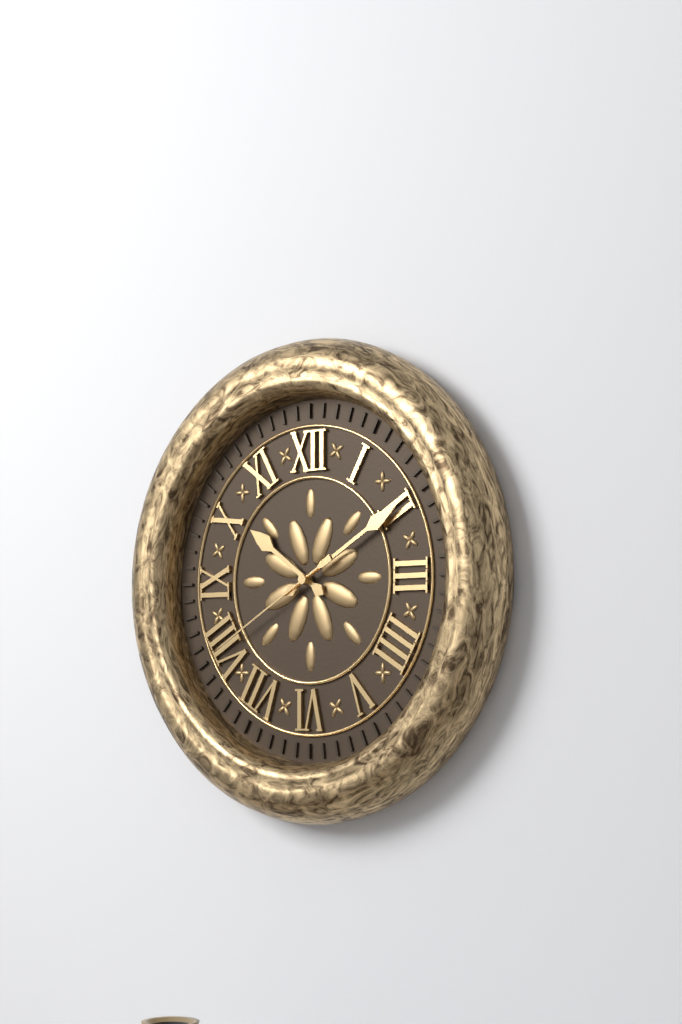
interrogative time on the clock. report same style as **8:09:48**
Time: **10:10:40**
